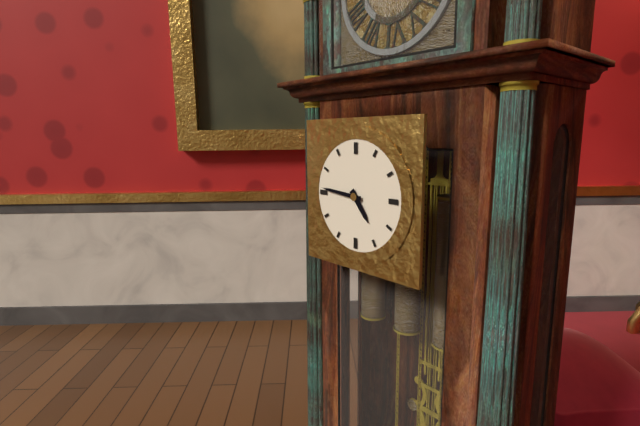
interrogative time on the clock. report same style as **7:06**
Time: **4:46**
